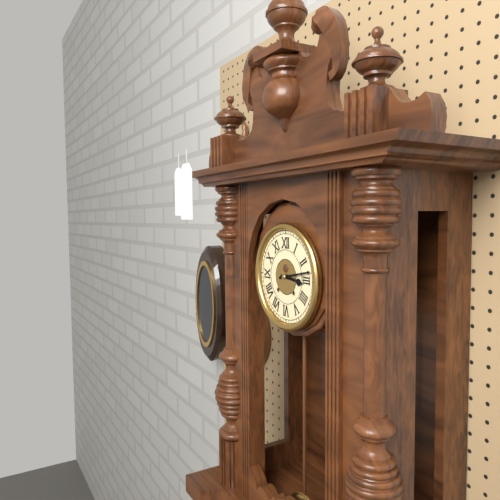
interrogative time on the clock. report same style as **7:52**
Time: **3:13**
